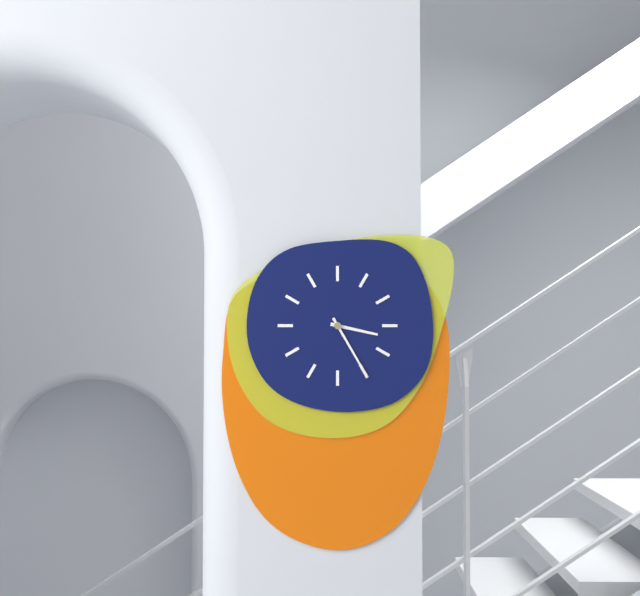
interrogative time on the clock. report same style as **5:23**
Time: **3:25**
